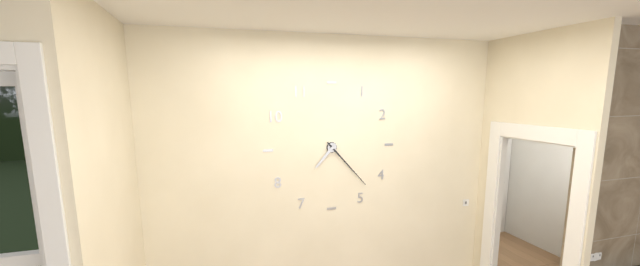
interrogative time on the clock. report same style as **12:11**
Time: **7:23**
